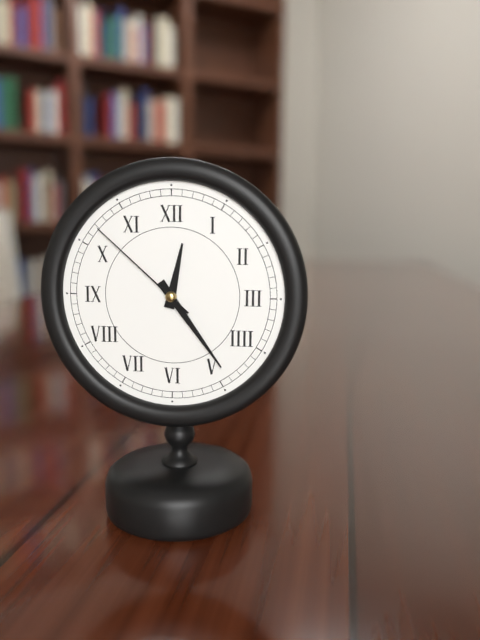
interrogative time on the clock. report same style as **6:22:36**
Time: **12:24:52**
